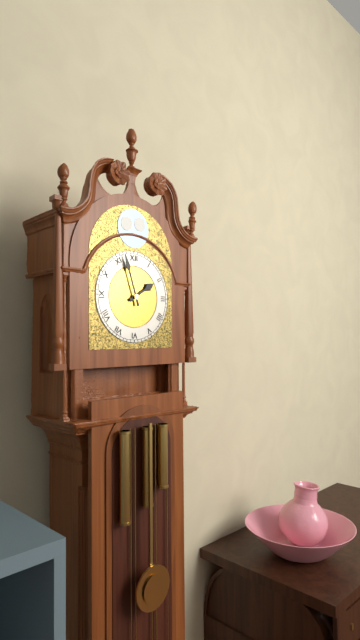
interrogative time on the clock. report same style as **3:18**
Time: **1:57**
